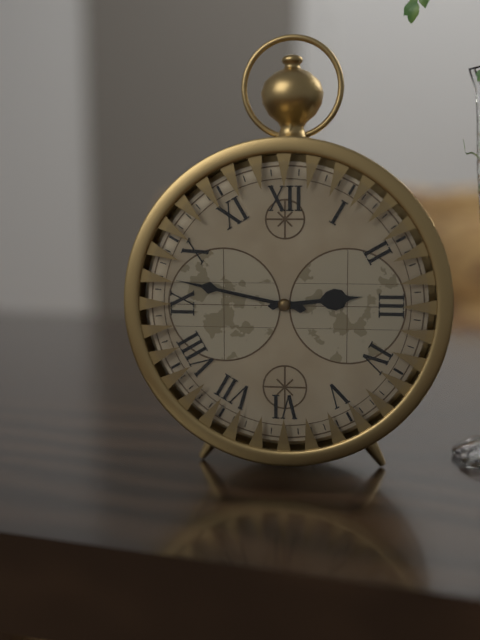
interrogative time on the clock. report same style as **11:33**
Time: **2:47**
